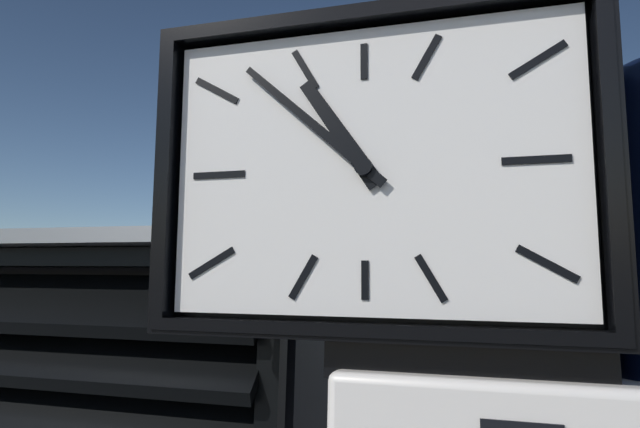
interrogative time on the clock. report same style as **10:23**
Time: **10:52**
